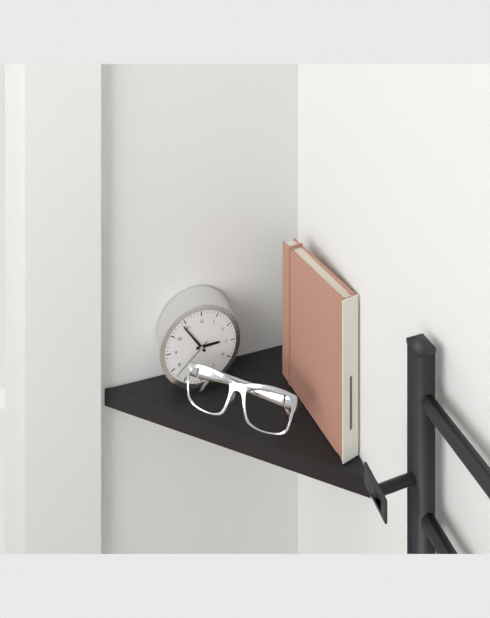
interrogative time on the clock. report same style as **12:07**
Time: **2:54**
